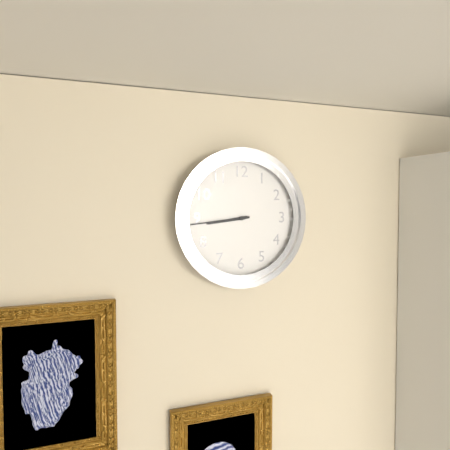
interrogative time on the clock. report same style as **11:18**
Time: **8:44**
